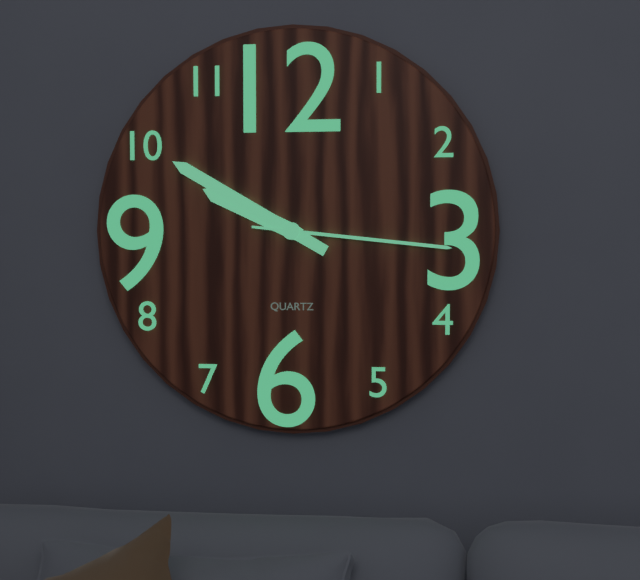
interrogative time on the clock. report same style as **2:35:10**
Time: **9:50:16**
